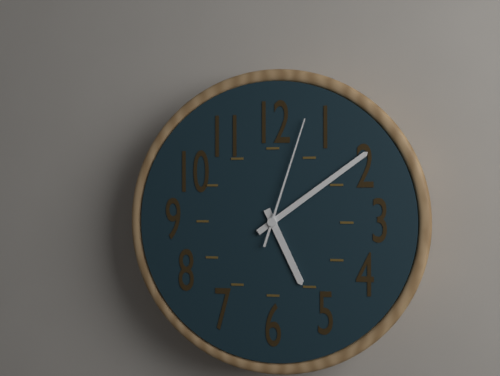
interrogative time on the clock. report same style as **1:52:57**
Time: **5:09:03**
